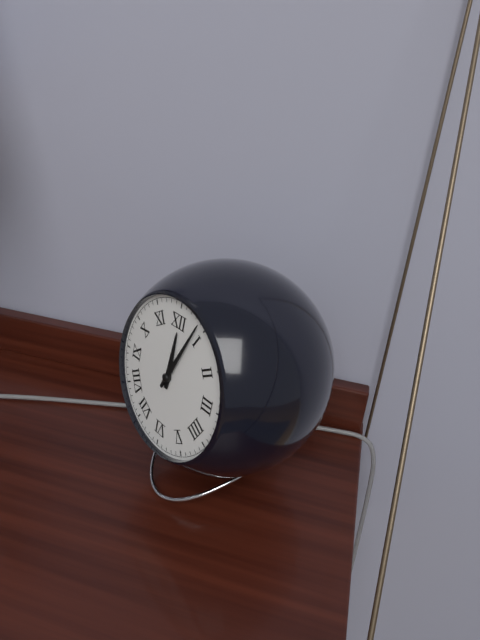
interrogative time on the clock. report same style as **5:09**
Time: **12:04**
